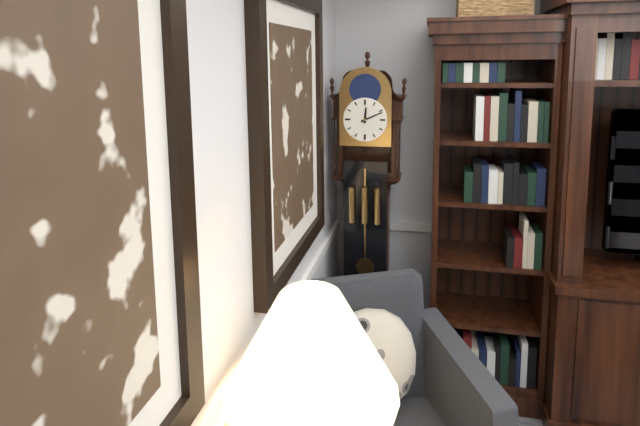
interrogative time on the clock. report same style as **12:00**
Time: **12:11**
